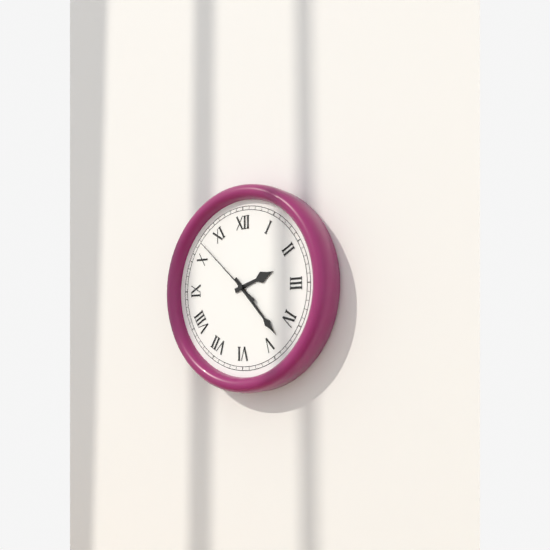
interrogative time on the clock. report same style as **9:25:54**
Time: **2:23:52**
